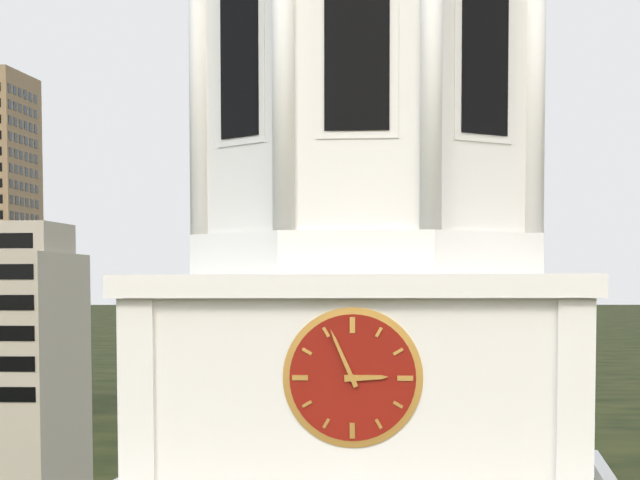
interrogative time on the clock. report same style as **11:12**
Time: **2:56**
